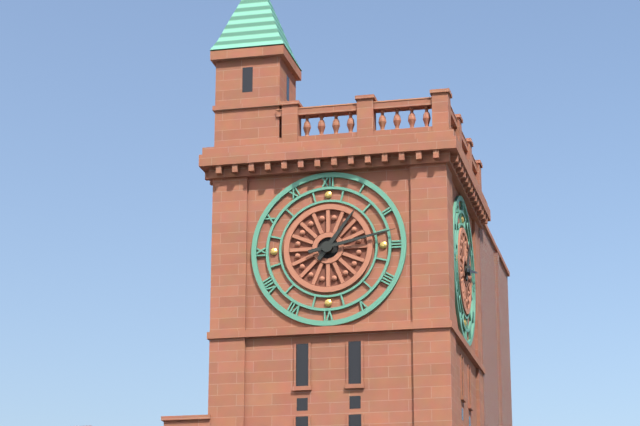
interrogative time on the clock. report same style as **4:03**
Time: **1:13**
